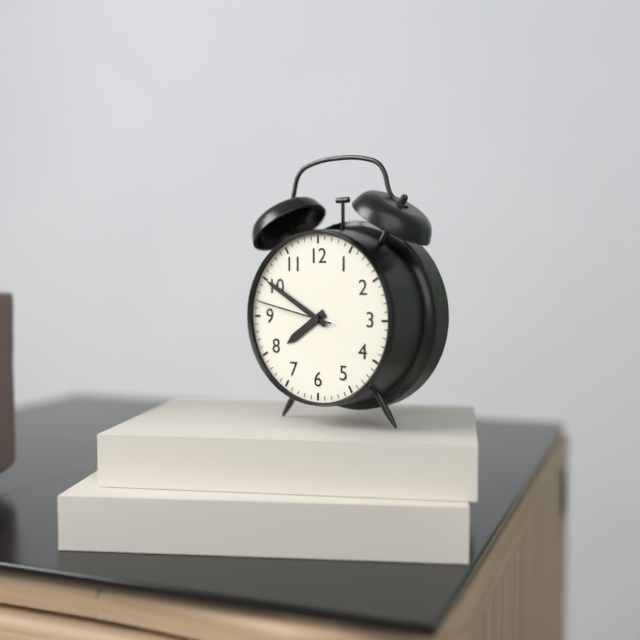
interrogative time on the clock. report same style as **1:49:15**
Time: **7:50:47**
